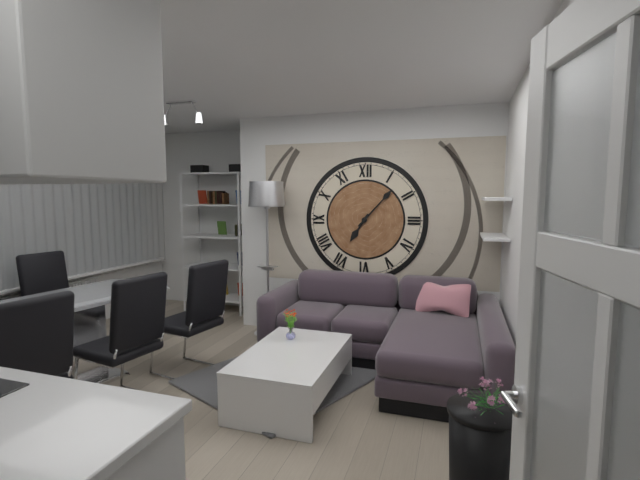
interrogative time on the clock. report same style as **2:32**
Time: **7:07**
